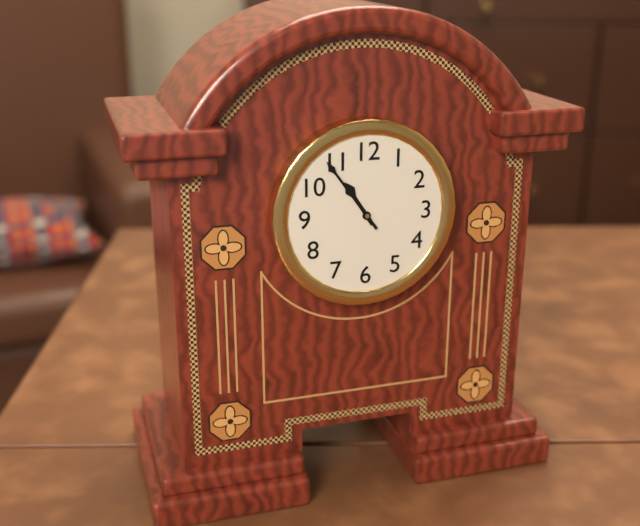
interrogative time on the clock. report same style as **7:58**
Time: **10:54**
